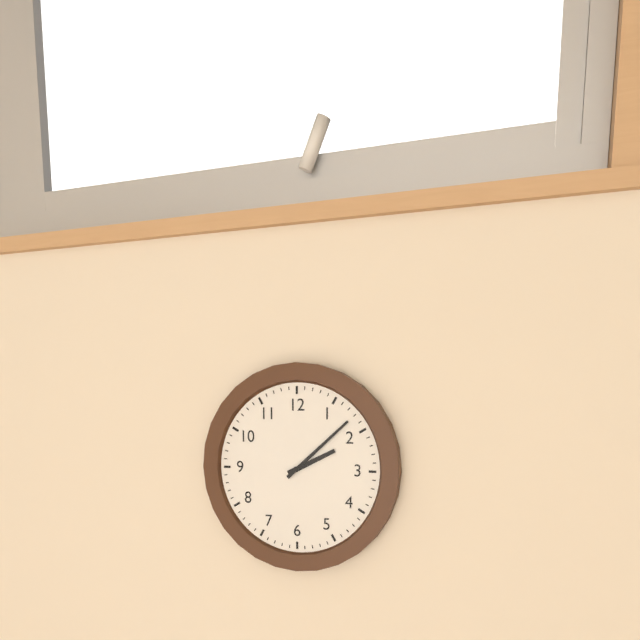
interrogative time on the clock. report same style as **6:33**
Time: **2:08**
